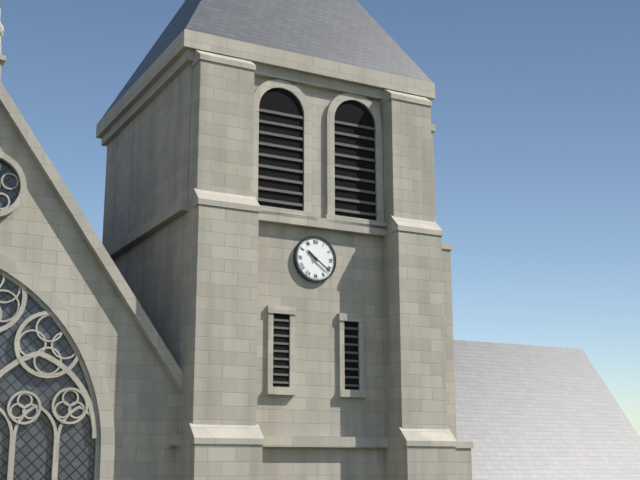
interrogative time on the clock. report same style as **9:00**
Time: **10:21**
